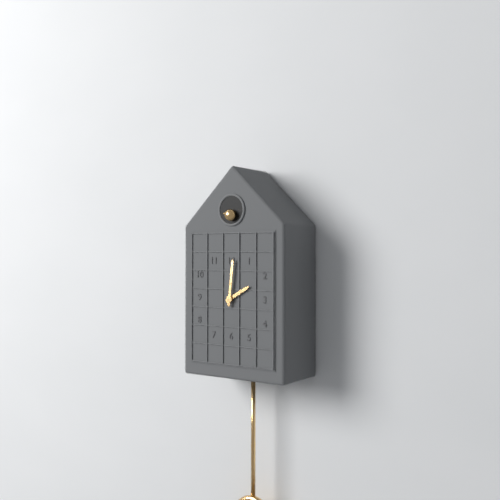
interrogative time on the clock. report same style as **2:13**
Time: **2:01**
